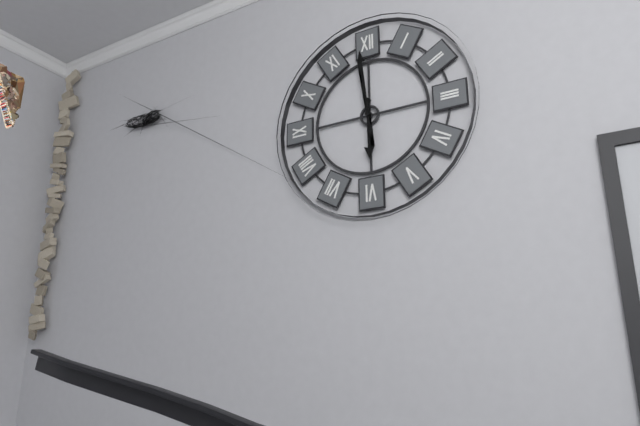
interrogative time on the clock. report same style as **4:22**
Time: **5:59**
